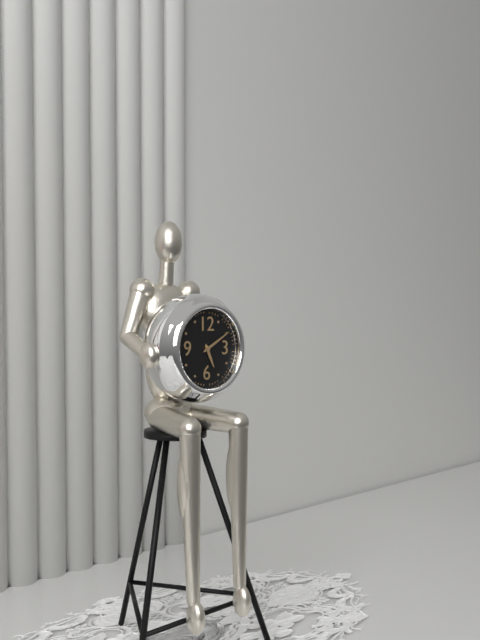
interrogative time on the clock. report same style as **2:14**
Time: **5:10**
